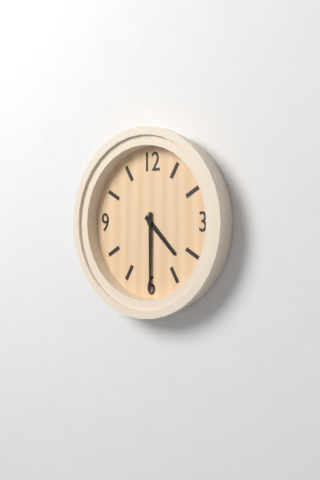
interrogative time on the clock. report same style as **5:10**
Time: **4:30**
